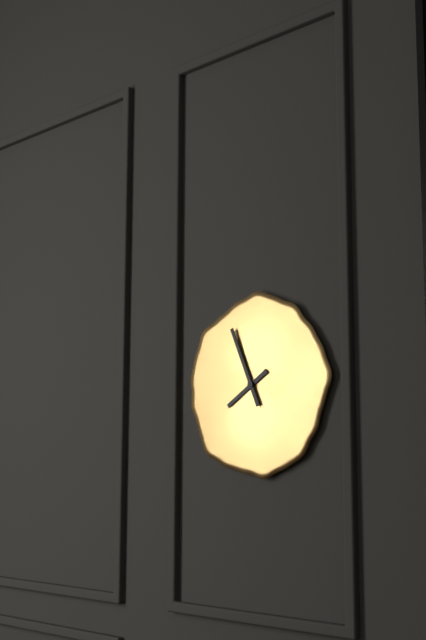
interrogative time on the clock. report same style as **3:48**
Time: **7:56**
